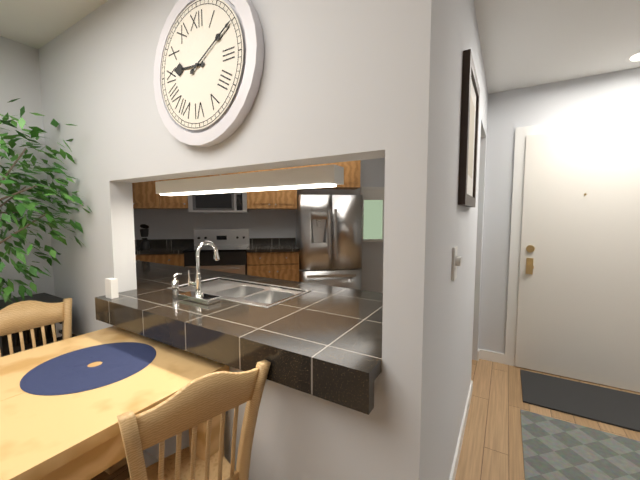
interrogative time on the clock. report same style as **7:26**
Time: **9:10**
